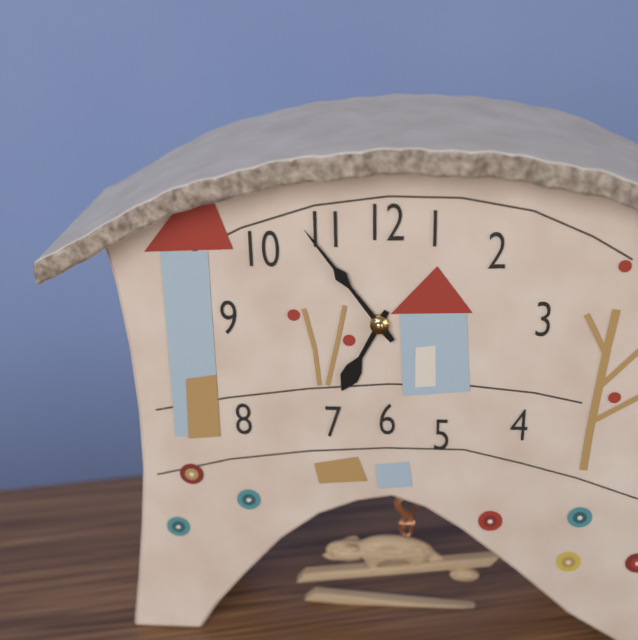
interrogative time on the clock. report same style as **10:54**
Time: **6:54**
